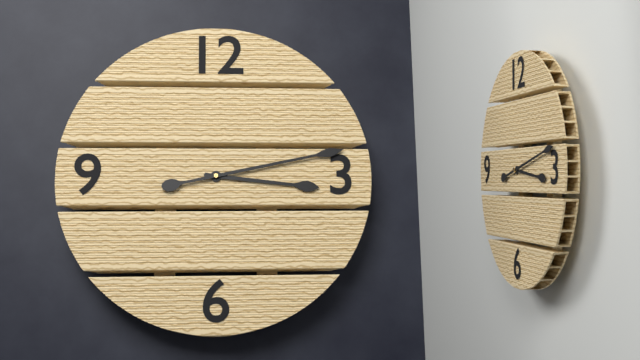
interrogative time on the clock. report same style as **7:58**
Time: **3:13**
